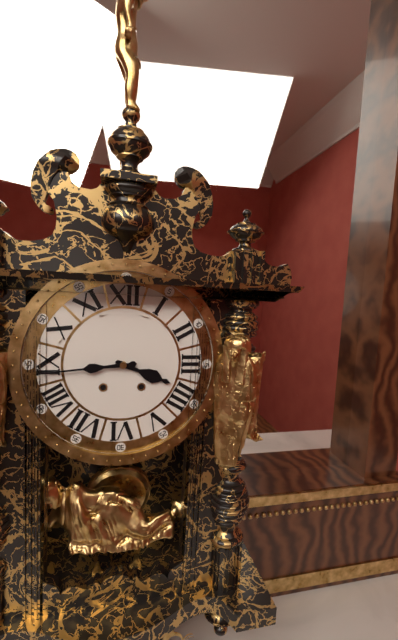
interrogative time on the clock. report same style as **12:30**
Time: **3:44**
